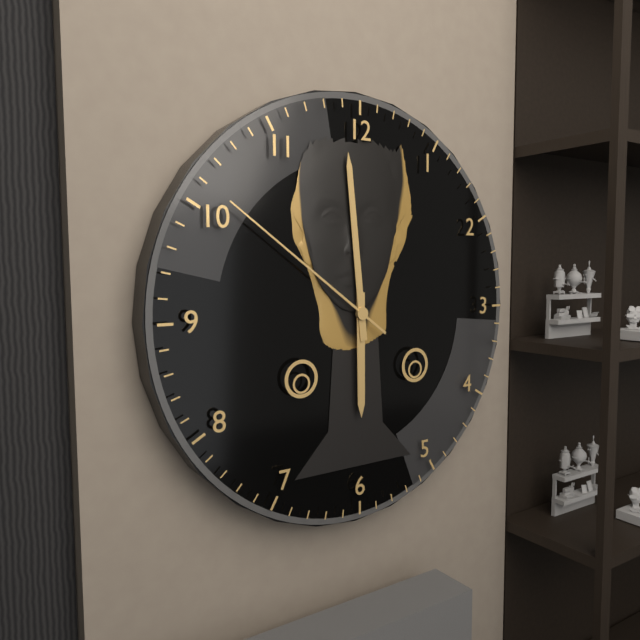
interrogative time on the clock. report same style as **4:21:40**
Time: **5:59:51**
